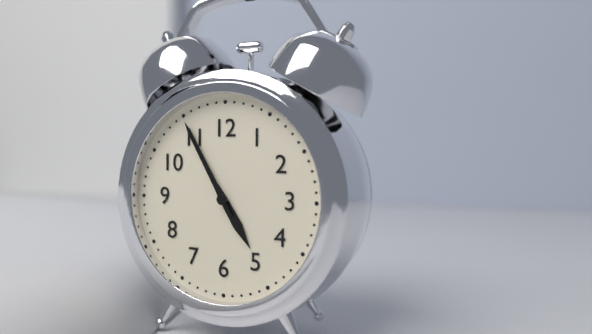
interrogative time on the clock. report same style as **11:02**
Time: **4:55**
